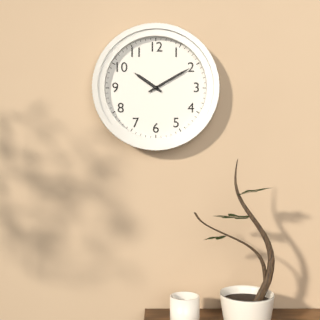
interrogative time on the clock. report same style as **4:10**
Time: **10:10**
